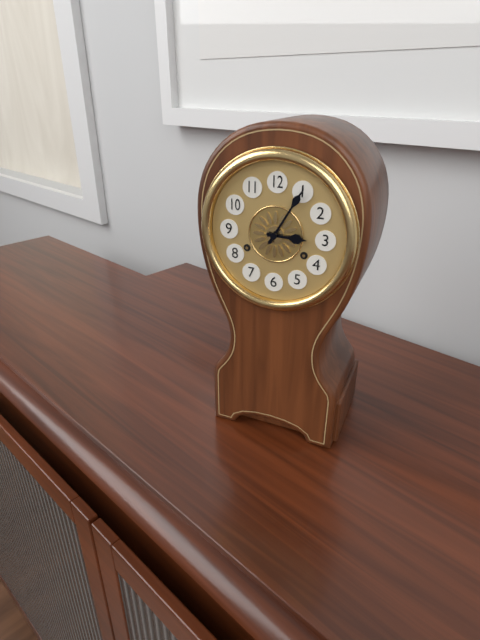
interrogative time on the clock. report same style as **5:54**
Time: **3:05**
